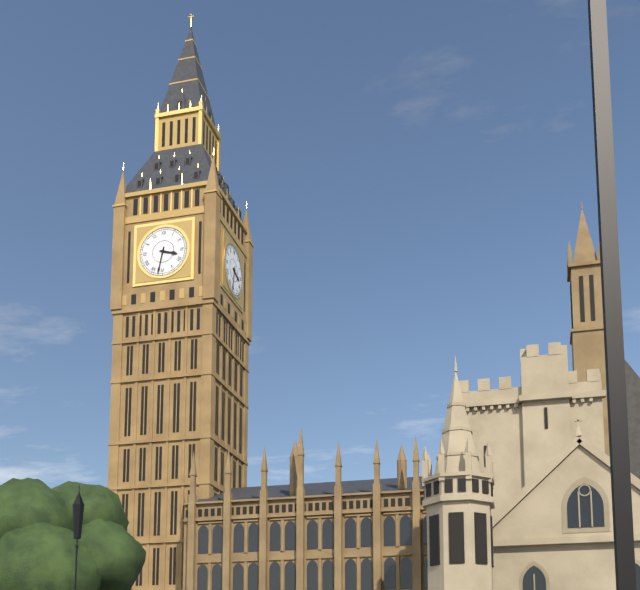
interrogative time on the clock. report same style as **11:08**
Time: **3:32**
